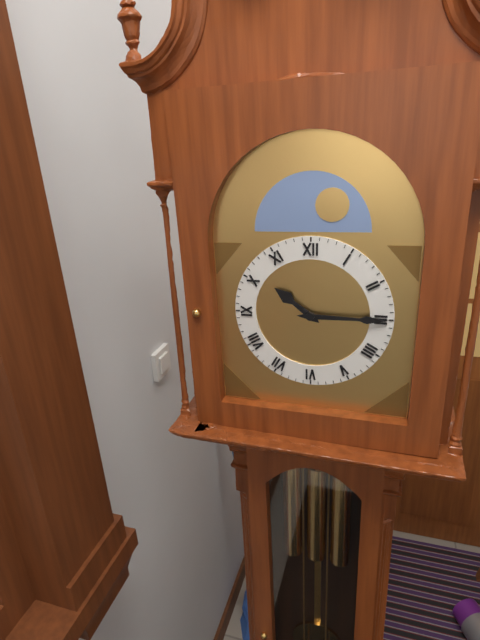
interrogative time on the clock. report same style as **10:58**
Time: **10:15**
